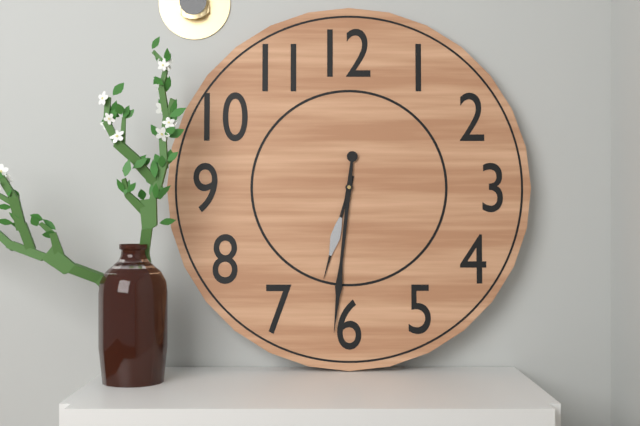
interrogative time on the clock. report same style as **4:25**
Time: **6:31**
